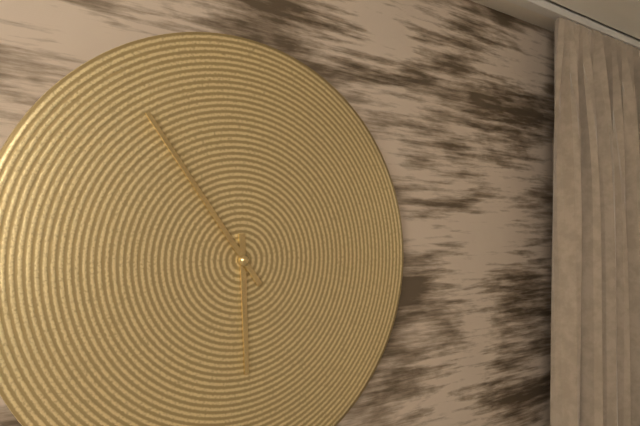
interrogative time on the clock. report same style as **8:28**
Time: **5:54**
